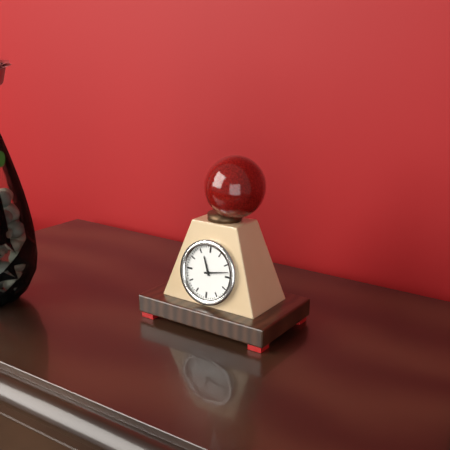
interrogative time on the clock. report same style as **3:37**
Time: **11:13**
